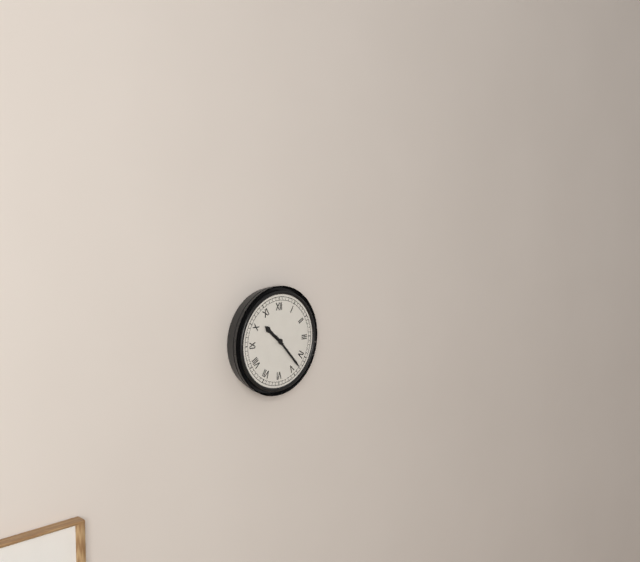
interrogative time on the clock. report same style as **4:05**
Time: **10:23**
